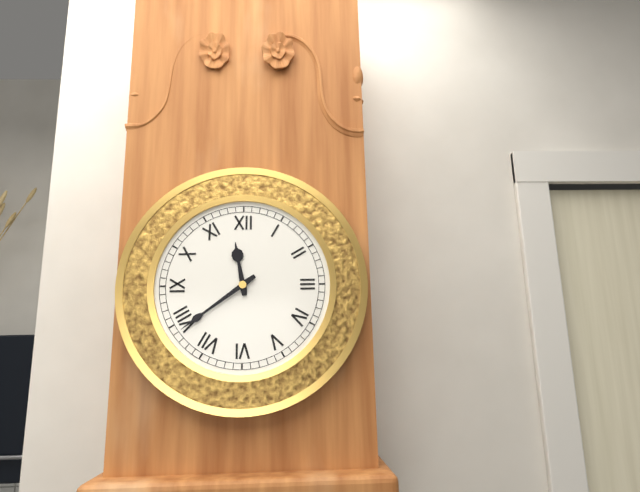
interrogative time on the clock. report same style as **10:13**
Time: **11:39**
